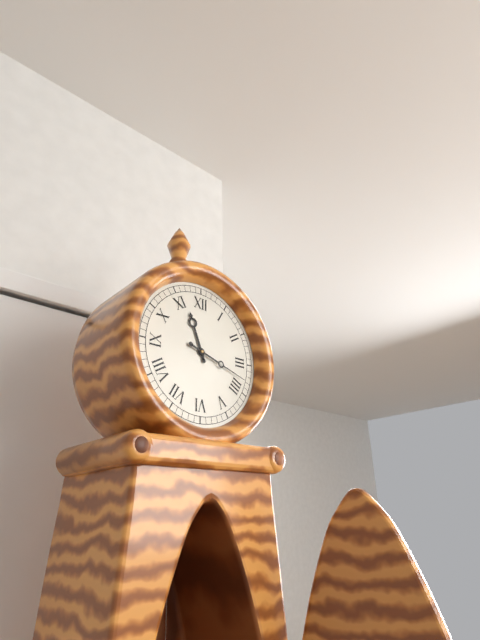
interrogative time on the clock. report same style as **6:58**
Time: **11:18**
